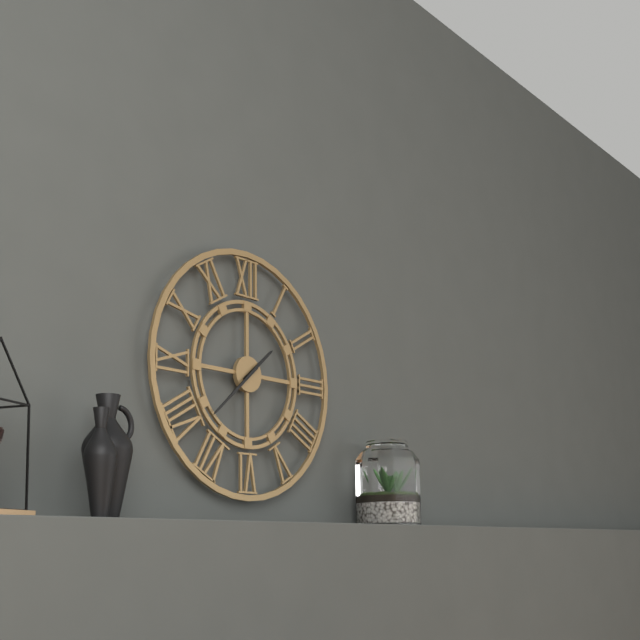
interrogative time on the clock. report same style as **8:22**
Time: **1:38**
